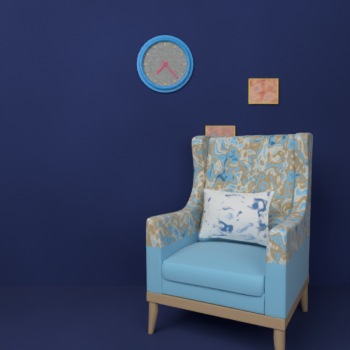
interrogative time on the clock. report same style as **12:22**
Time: **7:23**
